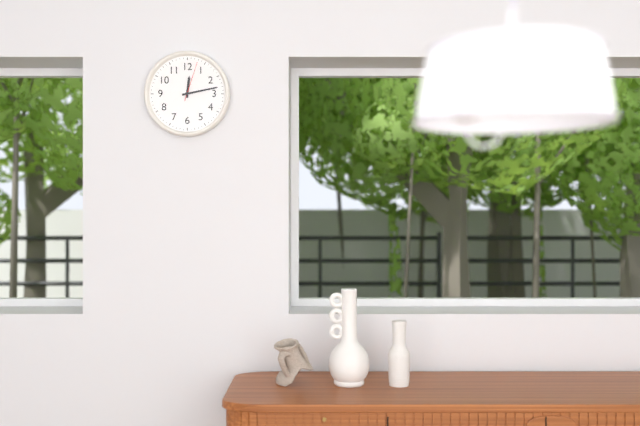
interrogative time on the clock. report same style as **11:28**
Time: **12:13**
